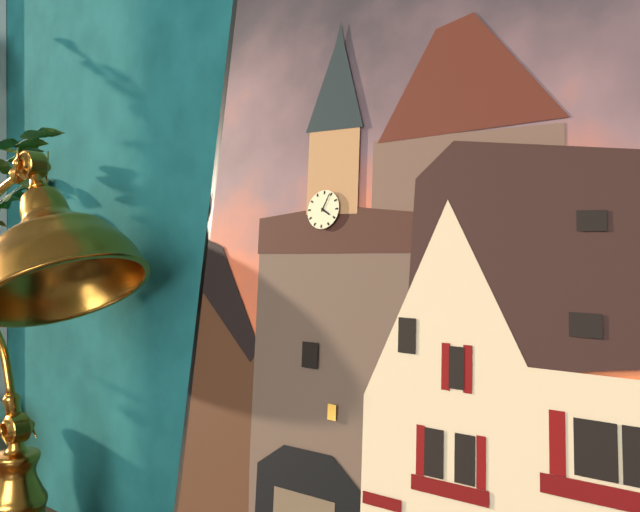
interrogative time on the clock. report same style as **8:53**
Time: **4:04**
